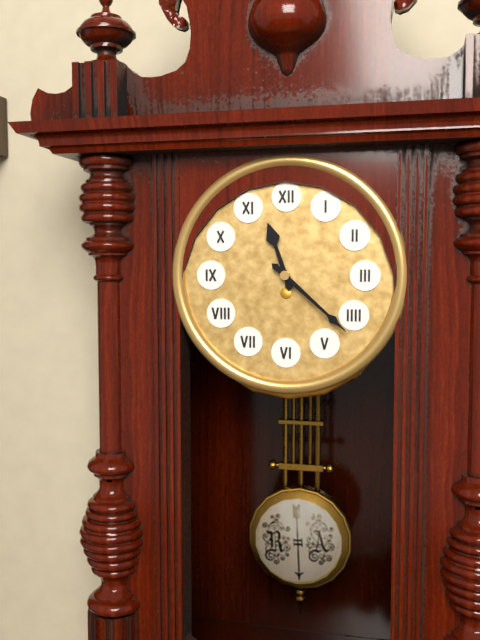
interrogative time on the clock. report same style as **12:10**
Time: **11:22**
